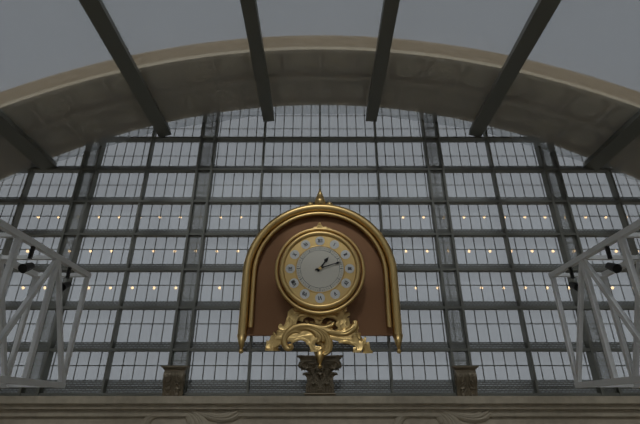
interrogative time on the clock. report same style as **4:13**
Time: **1:12**
